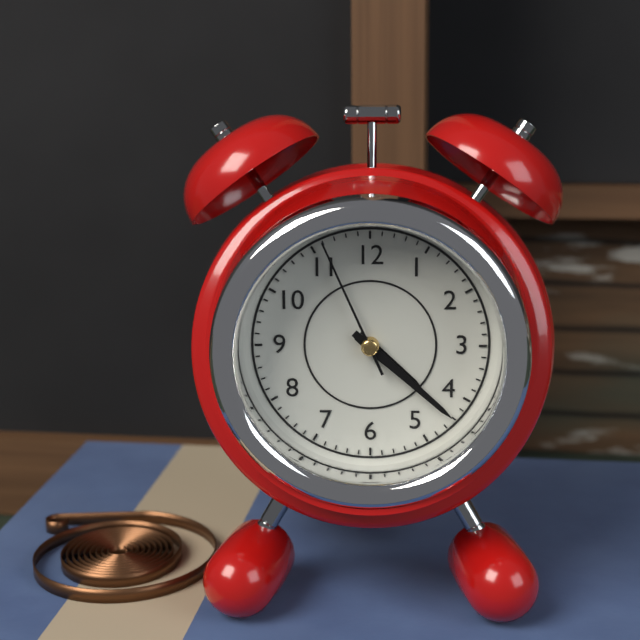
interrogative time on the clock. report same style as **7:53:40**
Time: **4:22:56**
